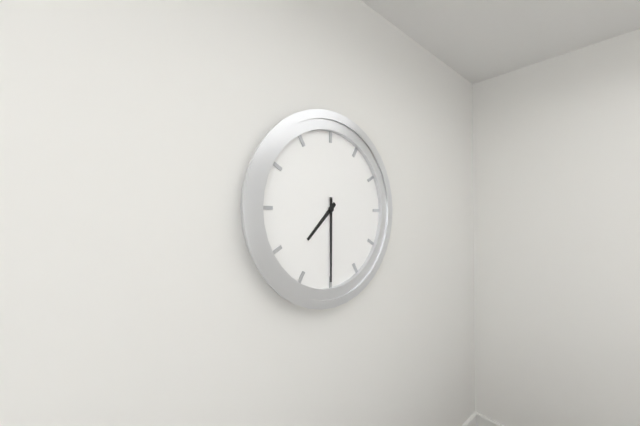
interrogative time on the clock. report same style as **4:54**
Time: **7:30**
